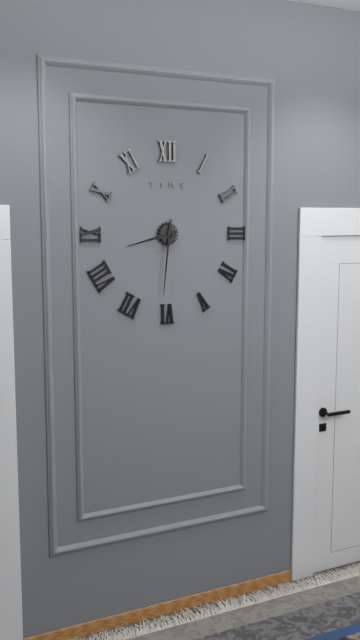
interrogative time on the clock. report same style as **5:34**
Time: **8:31**
